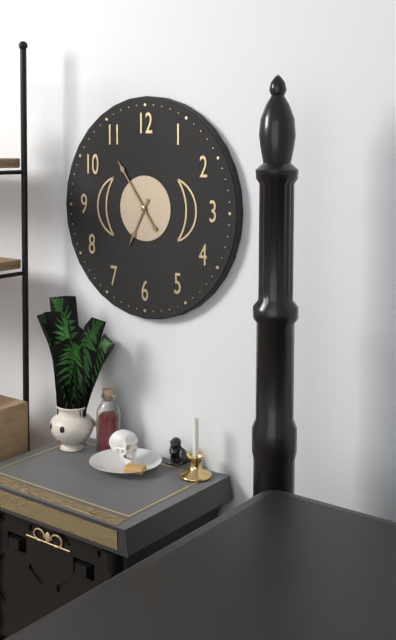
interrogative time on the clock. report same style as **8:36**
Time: **6:54**
